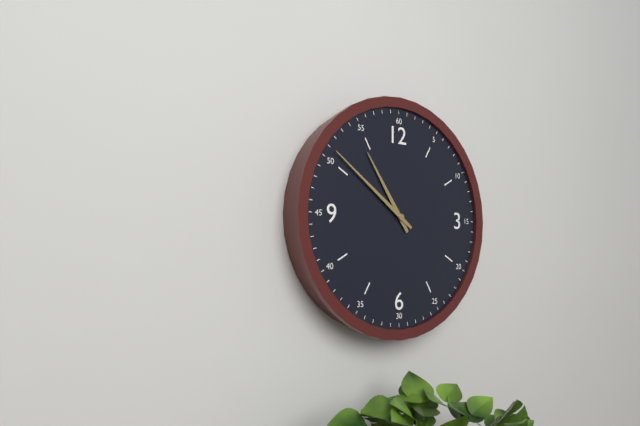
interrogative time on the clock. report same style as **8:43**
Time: **10:51**
